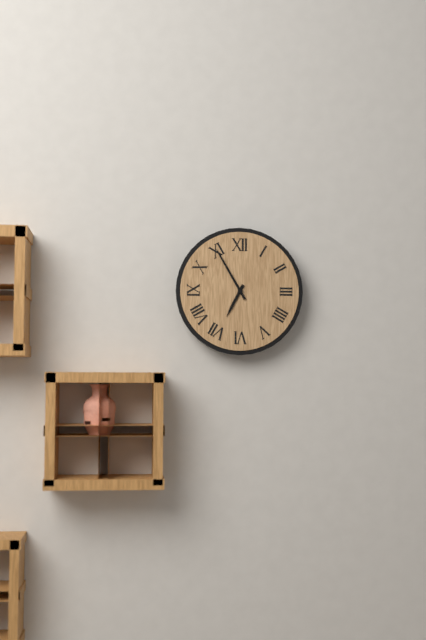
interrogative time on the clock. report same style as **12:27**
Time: **6:55**
